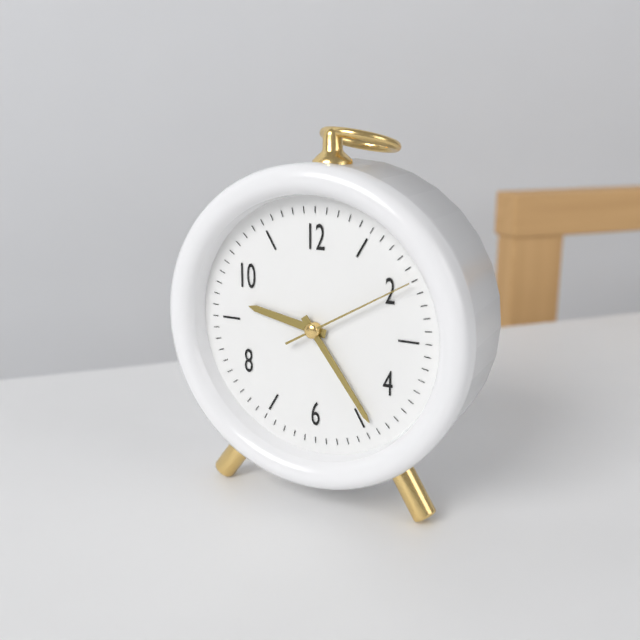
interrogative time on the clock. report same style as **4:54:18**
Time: **9:24:10**
